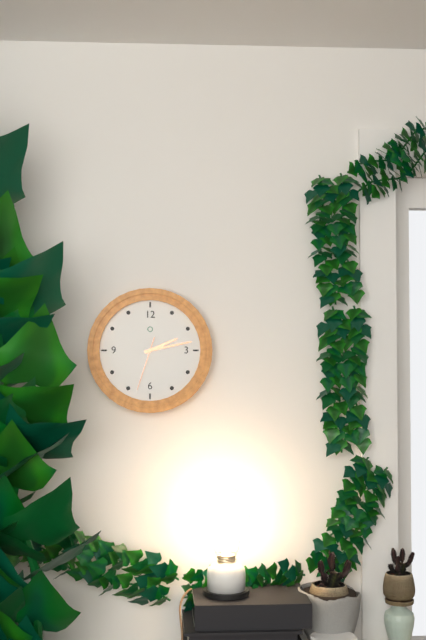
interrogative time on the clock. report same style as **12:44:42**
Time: **2:13:33**
